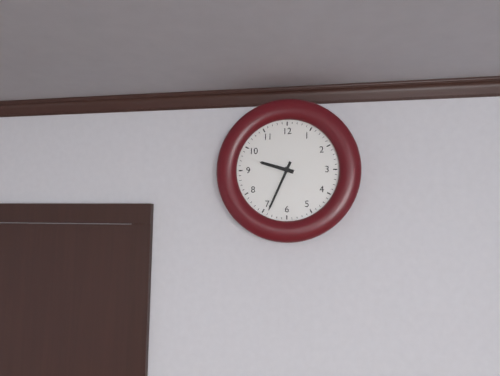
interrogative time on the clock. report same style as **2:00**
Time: **9:34**
